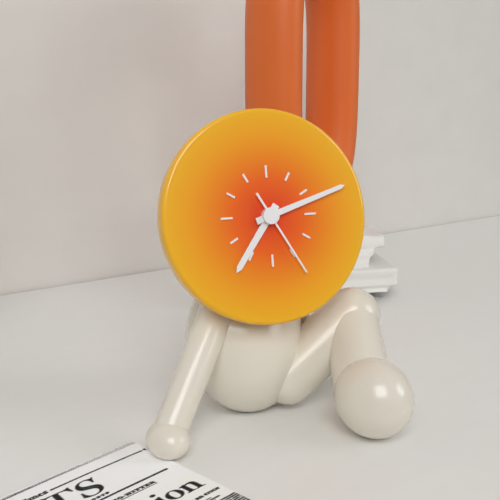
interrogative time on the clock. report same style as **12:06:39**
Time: **7:12:25**
